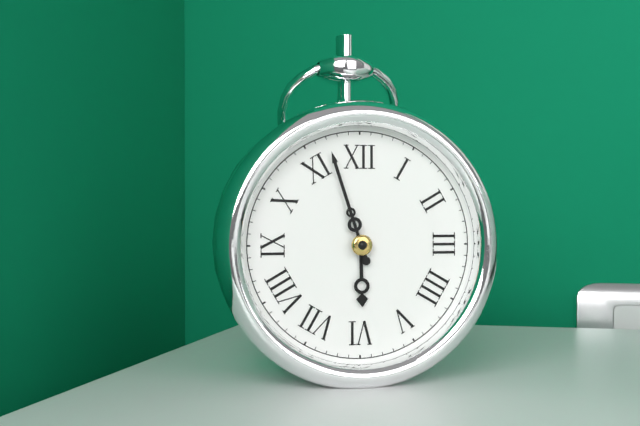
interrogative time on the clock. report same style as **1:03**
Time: **5:57**
